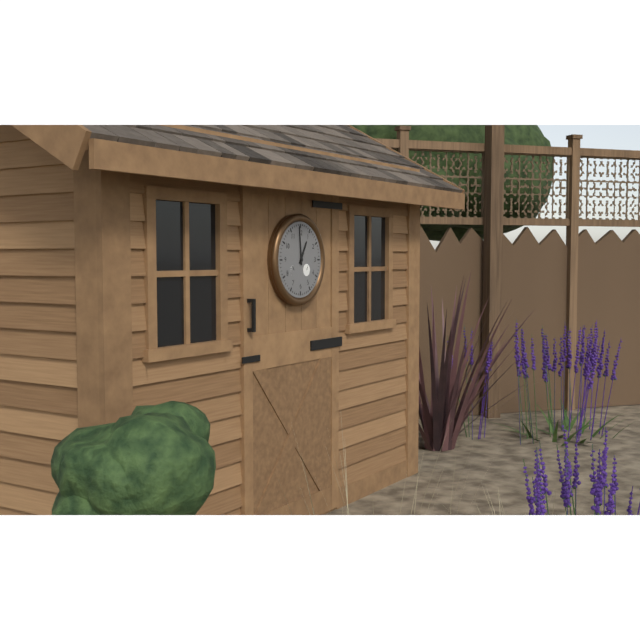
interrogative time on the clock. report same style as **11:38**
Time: **12:59**
